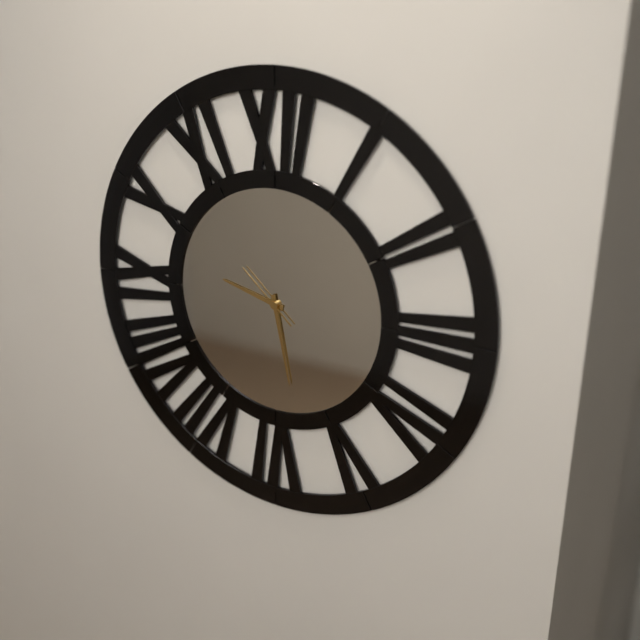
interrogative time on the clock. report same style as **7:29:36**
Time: **9:28:52**
